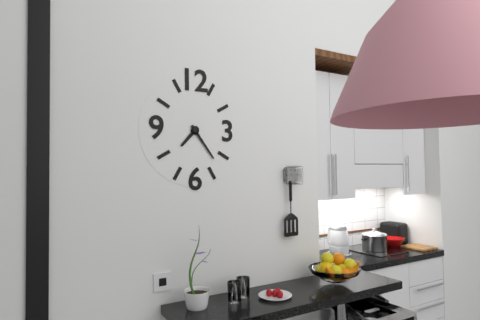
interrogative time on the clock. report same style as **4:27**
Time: **7:24**
